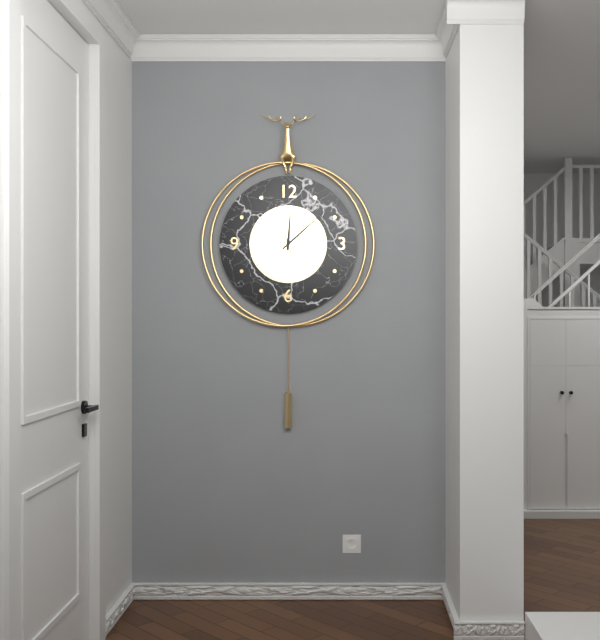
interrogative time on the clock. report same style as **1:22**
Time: **12:08**
